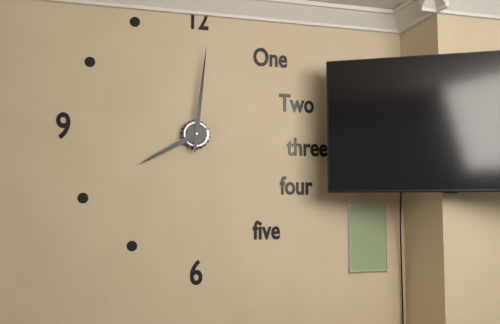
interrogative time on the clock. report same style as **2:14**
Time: **8:01**
